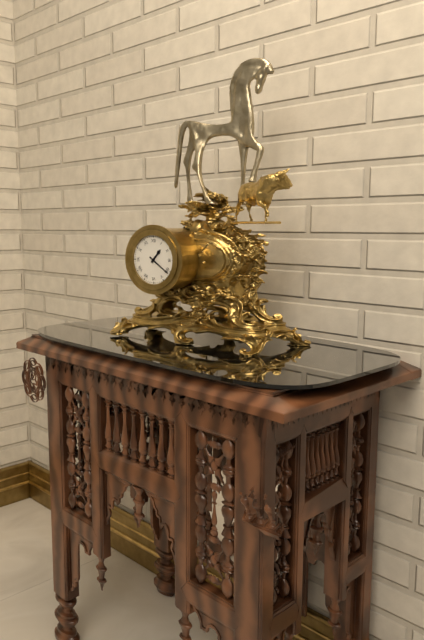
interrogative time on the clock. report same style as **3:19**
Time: **1:21**
